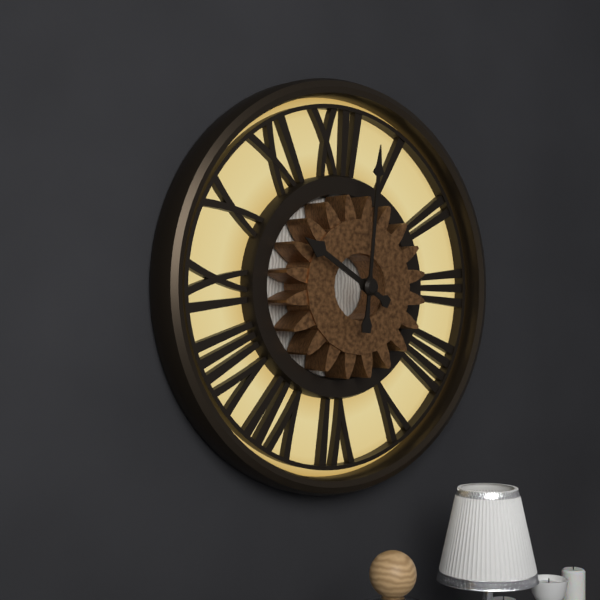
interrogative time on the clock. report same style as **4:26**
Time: **10:01**
